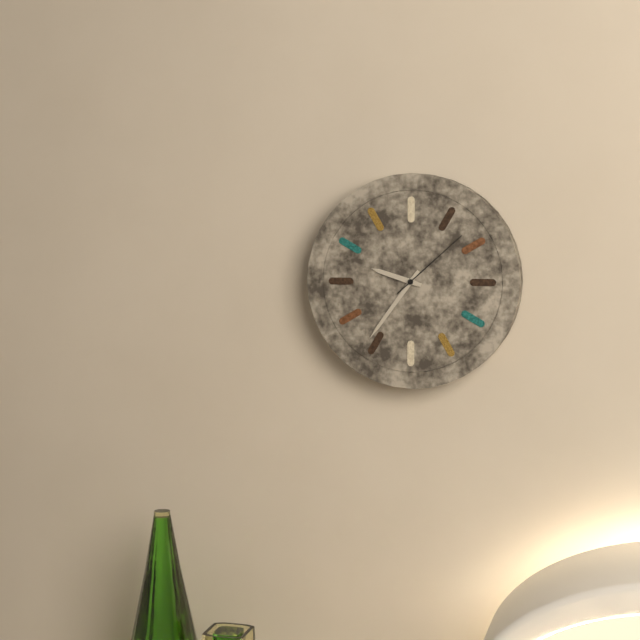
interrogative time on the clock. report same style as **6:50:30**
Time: **9:36:08**
